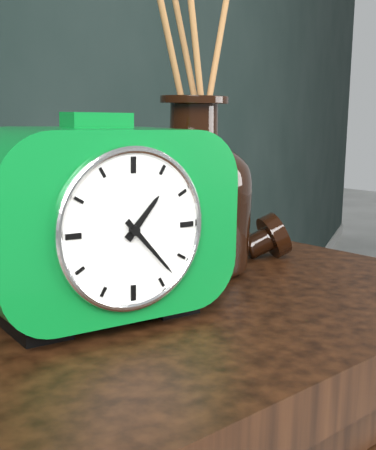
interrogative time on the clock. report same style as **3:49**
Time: **1:23**
